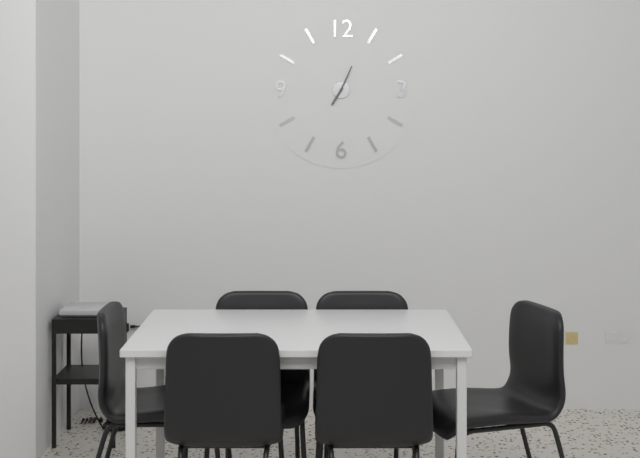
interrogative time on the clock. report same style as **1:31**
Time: **7:04**
